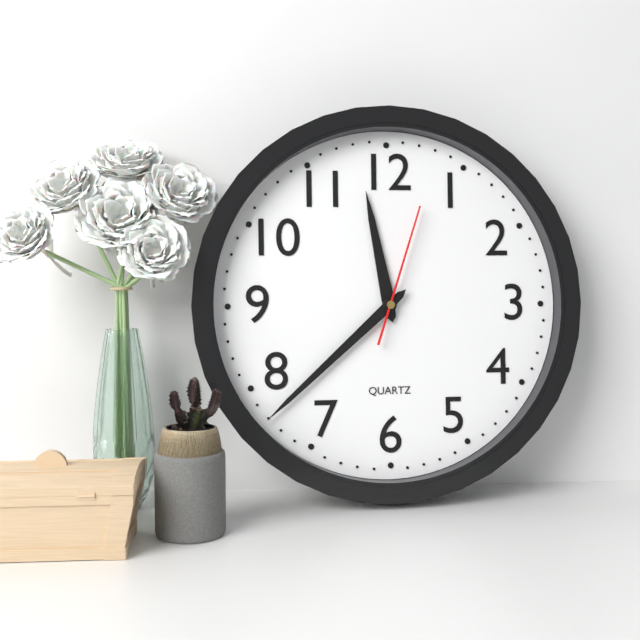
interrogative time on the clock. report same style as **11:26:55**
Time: **11:38:03**
